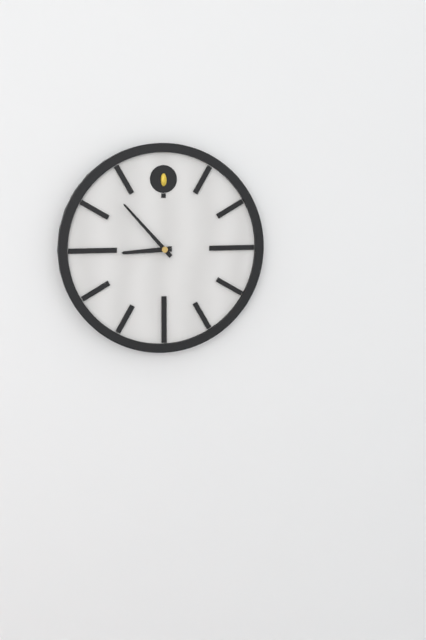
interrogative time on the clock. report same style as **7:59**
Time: **8:53**
